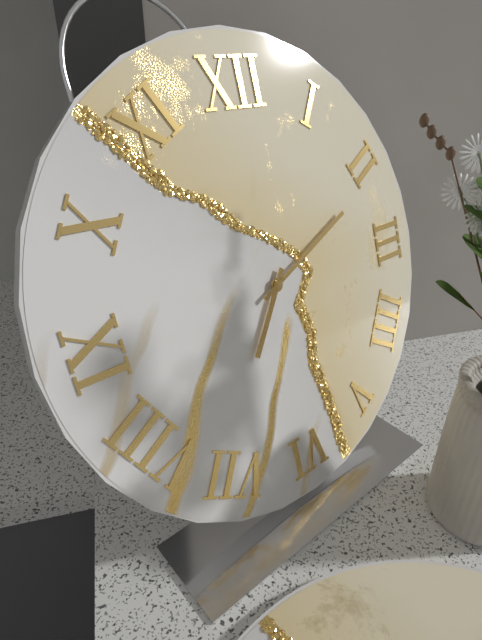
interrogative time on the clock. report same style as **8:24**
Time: **7:11**
